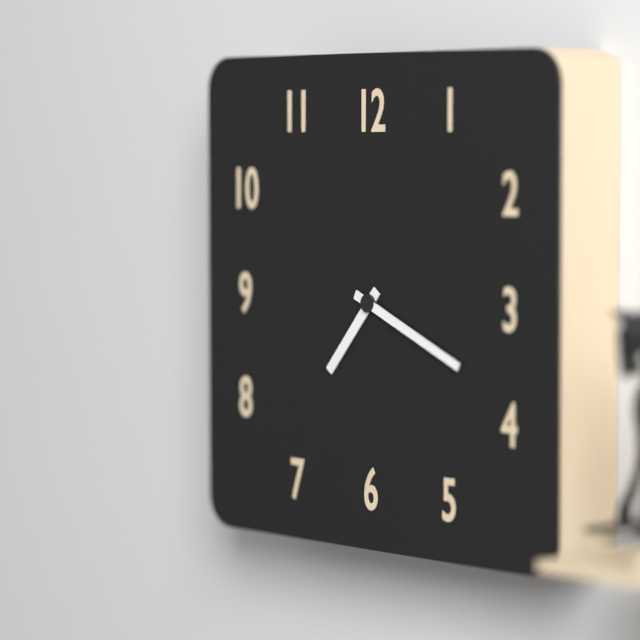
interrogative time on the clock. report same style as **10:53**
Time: **7:19**
